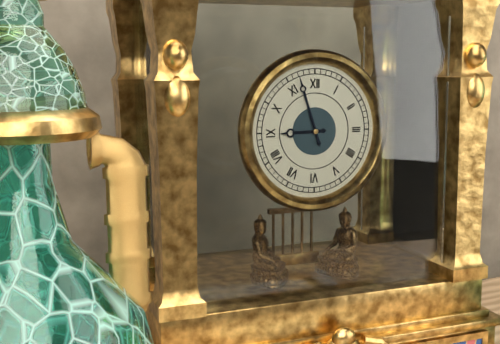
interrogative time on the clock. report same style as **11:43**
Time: **8:57**
